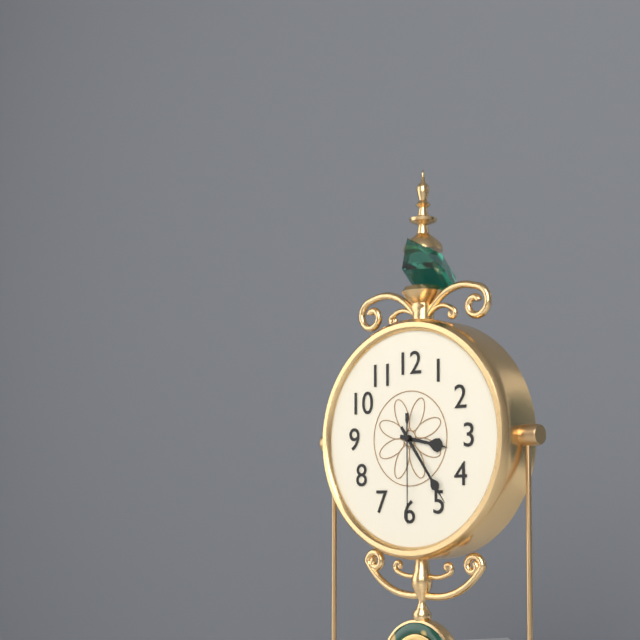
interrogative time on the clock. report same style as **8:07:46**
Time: **3:24:30**
